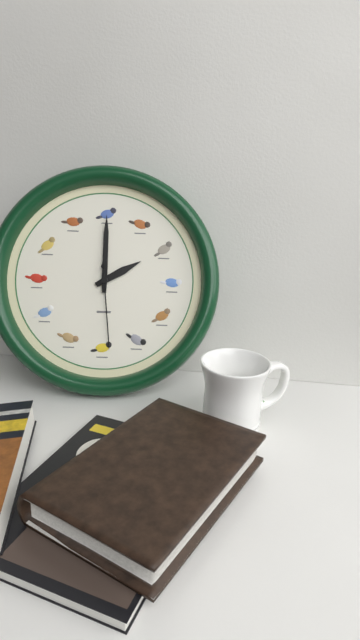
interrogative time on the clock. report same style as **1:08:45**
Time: **2:00:29**
